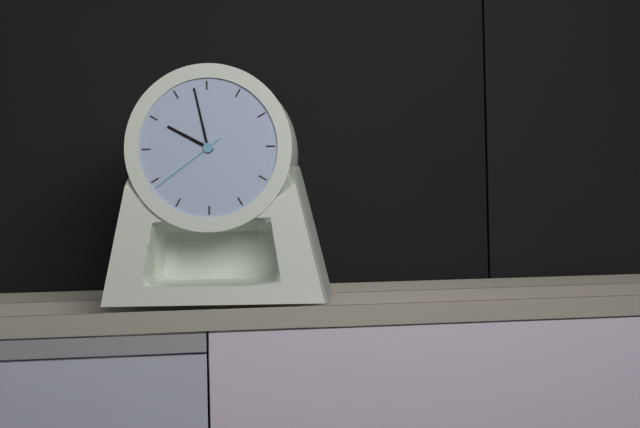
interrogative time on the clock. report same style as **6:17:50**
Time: **9:58:39**
